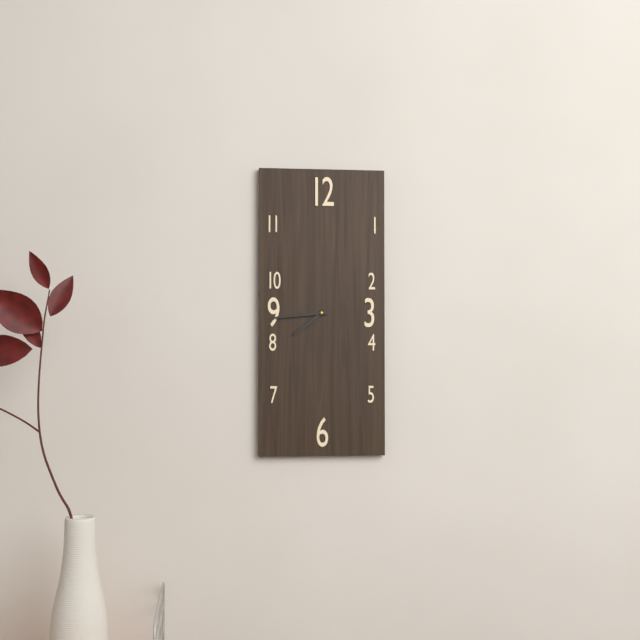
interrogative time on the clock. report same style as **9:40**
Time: **7:44**
